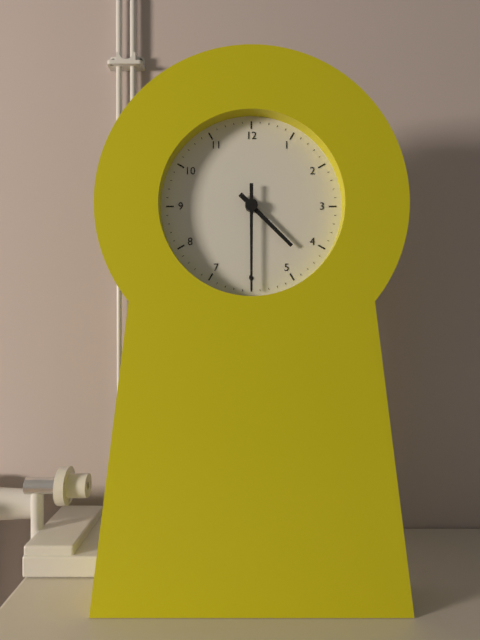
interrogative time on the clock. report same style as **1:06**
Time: **4:30**
